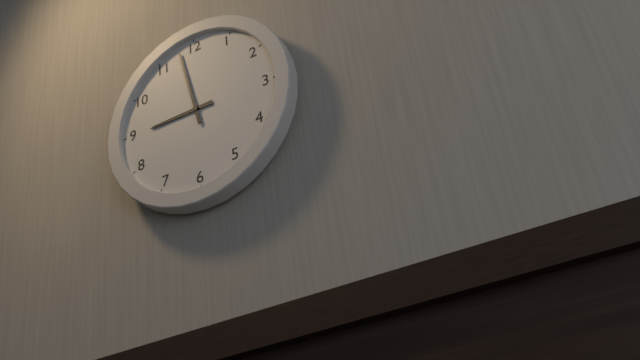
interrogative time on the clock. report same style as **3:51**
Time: **8:58**
